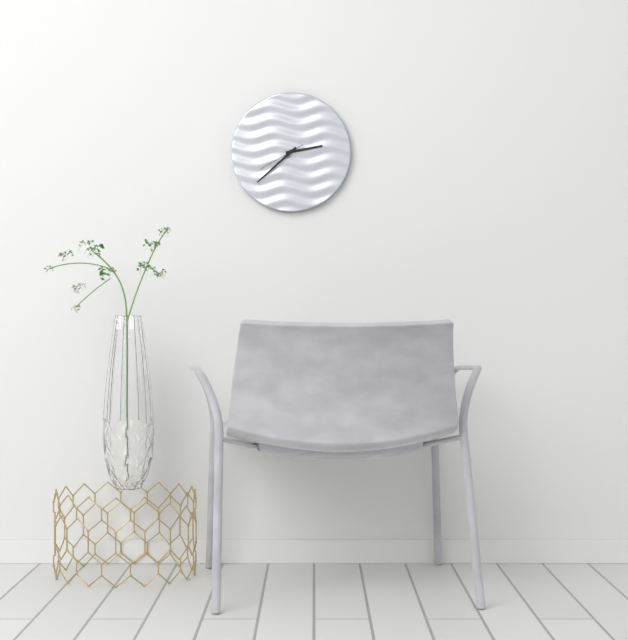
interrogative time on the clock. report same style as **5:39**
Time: **2:38**
